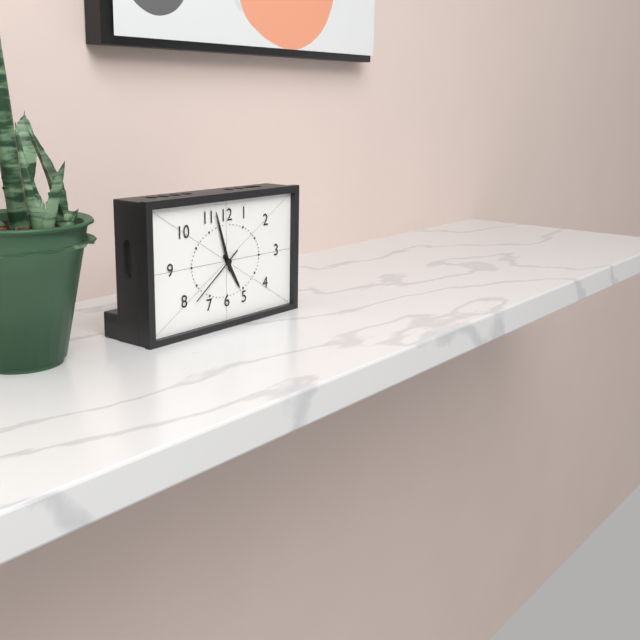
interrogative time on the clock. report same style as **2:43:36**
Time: **4:57:39**
